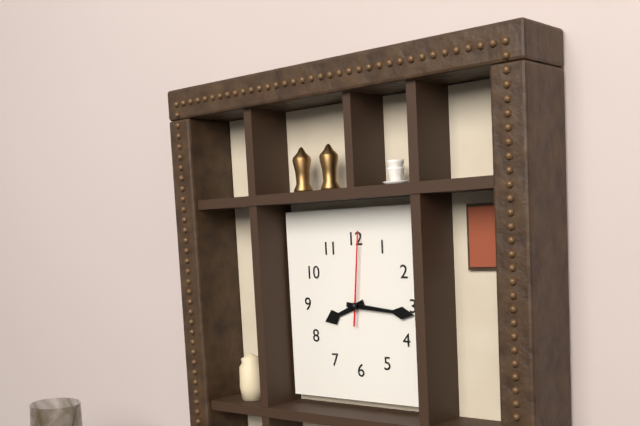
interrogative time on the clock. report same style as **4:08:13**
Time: **8:16:01**
